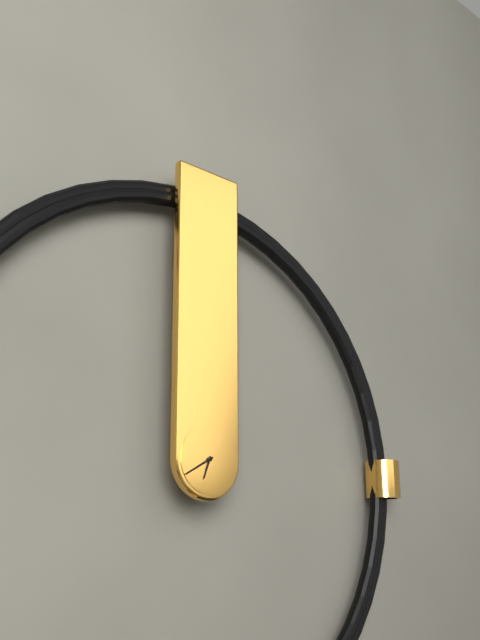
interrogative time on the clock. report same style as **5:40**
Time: **6:40**
